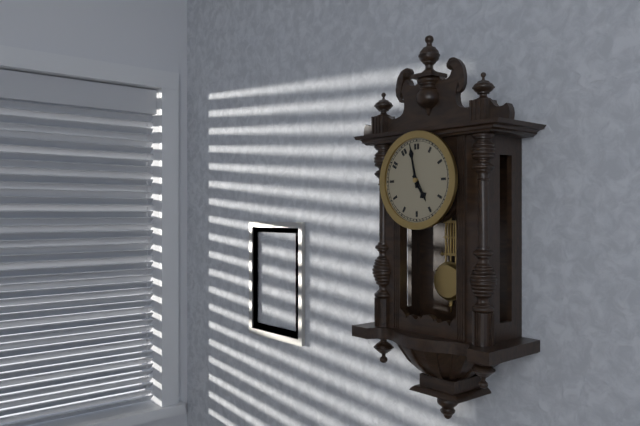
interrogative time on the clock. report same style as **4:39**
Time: **4:58**
